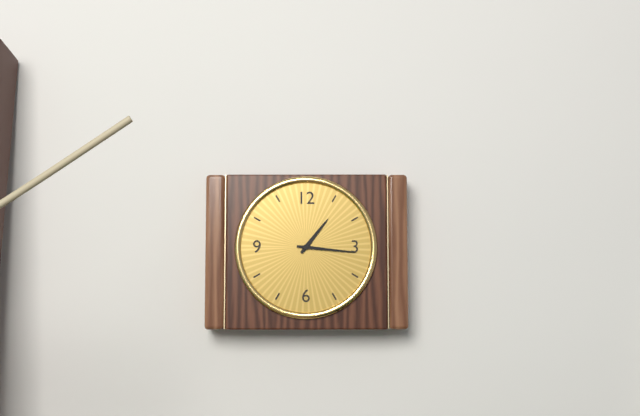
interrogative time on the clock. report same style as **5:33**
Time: **1:16**
